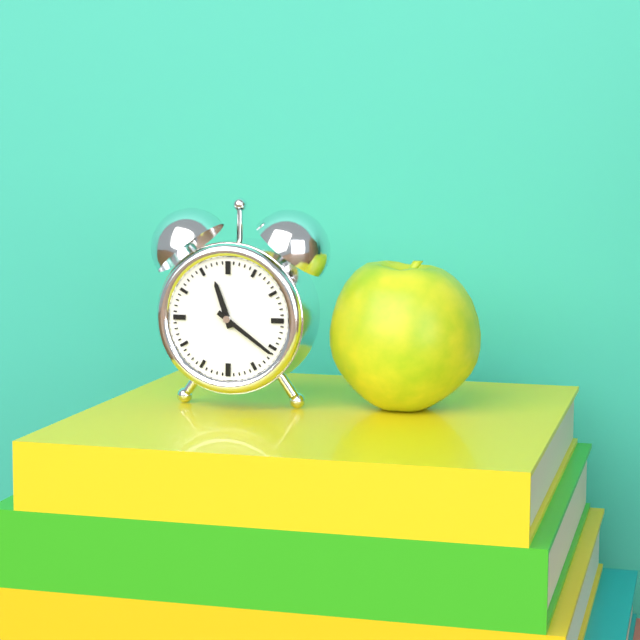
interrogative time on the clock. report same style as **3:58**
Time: **11:21**
